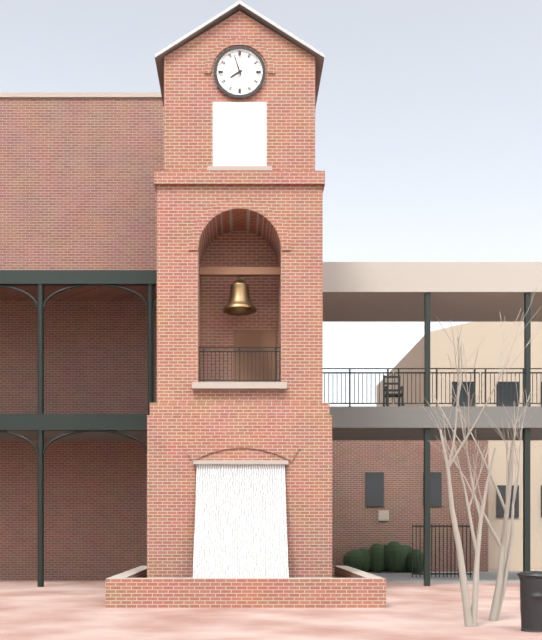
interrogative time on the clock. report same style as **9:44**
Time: **7:57**
